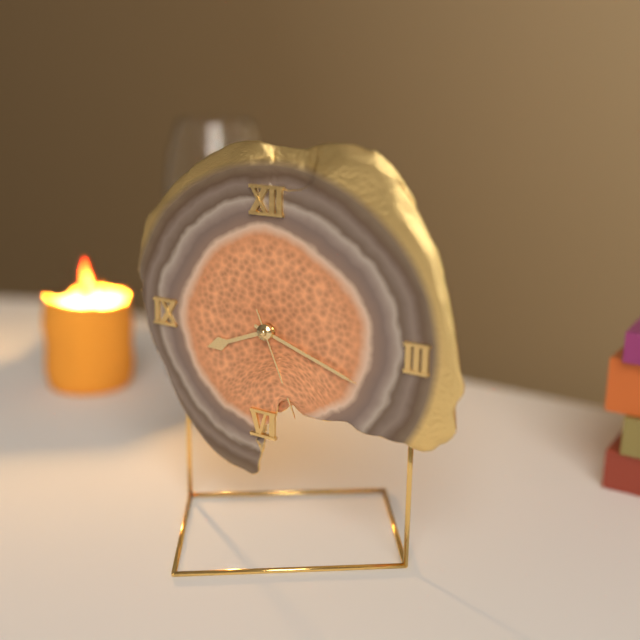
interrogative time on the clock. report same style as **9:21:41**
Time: **8:18:26**
